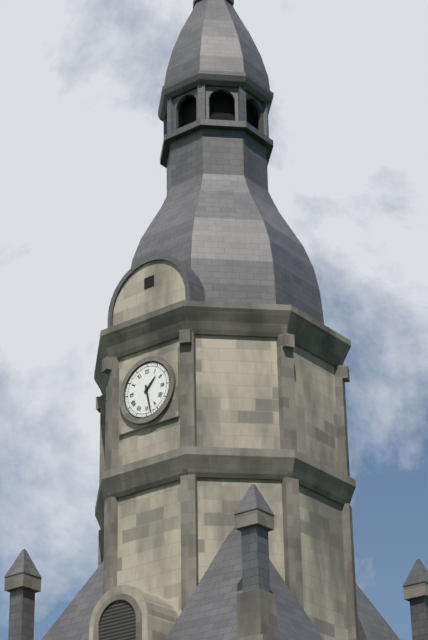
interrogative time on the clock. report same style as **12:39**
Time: **1:28**
